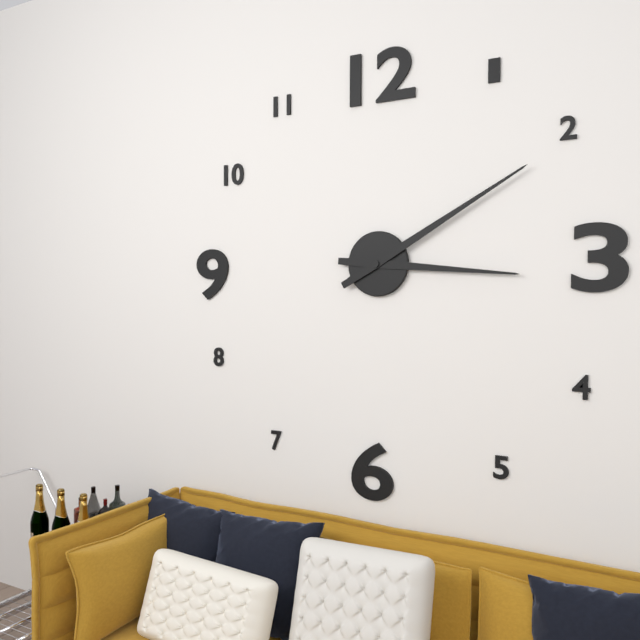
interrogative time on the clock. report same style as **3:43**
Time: **3:10**
